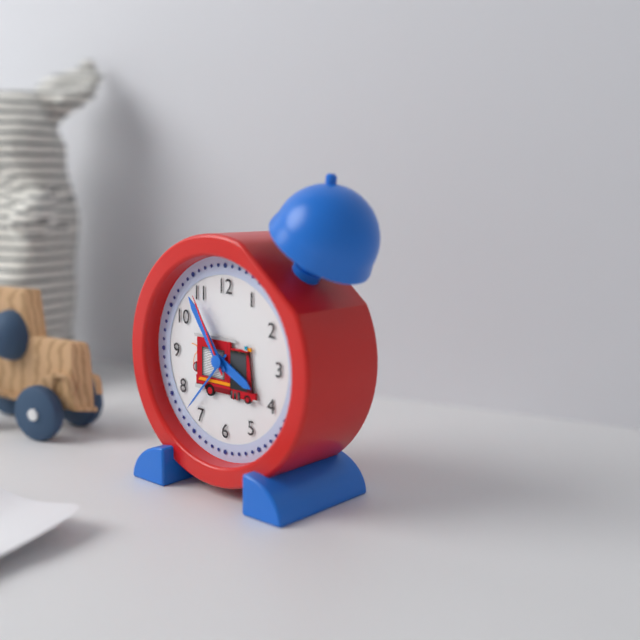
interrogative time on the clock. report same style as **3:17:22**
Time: **3:54:55**
